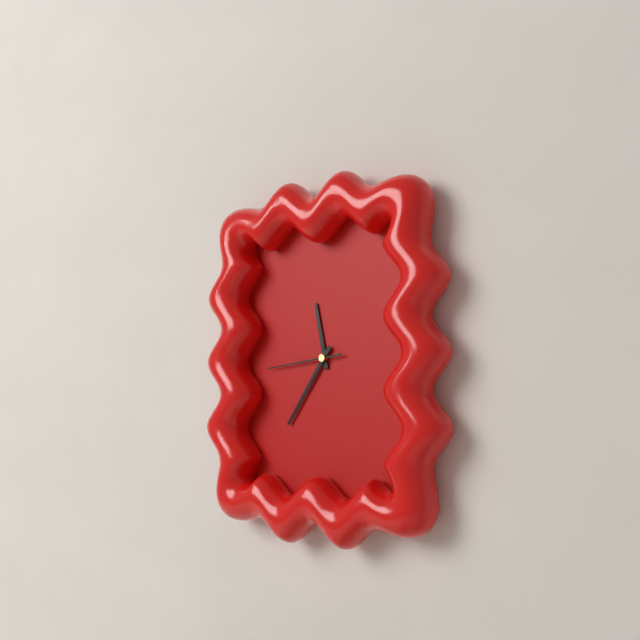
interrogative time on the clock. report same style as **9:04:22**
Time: **11:36:44**
